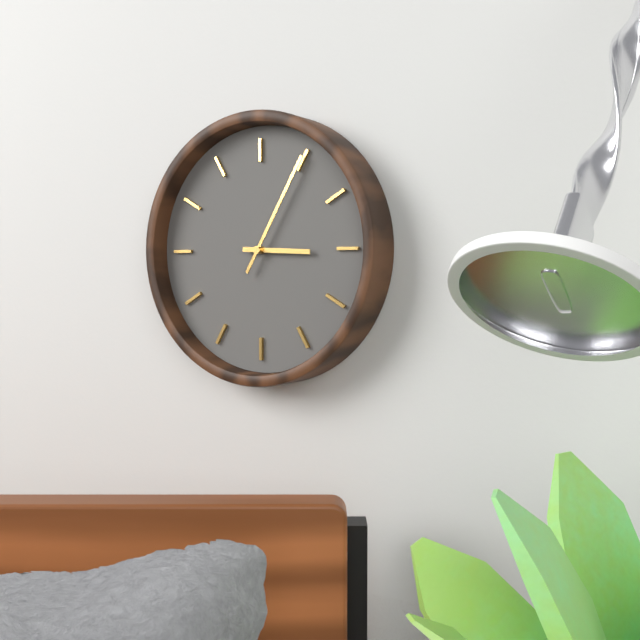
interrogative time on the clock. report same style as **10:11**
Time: **3:05**
